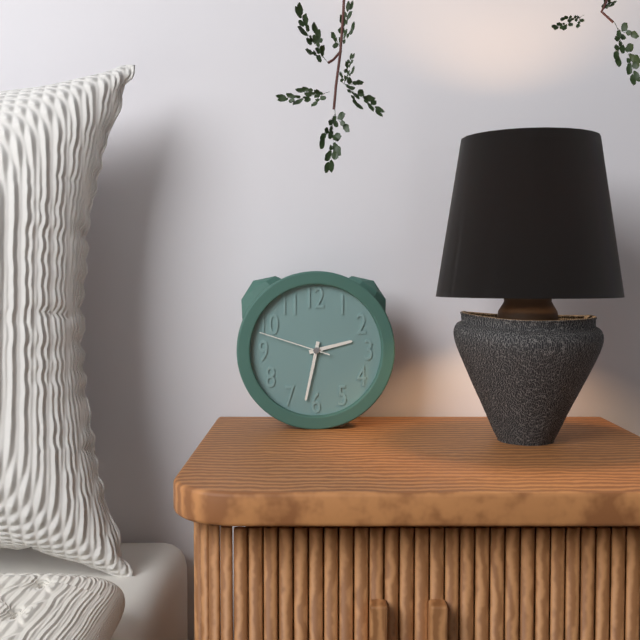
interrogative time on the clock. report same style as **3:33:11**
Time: **2:32:48**
